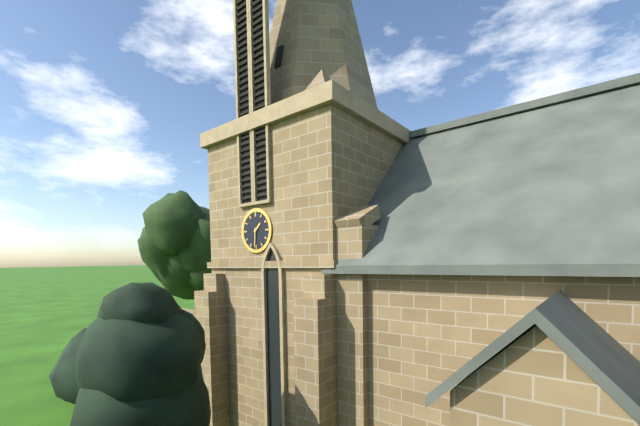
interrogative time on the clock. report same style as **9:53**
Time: **1:31**
